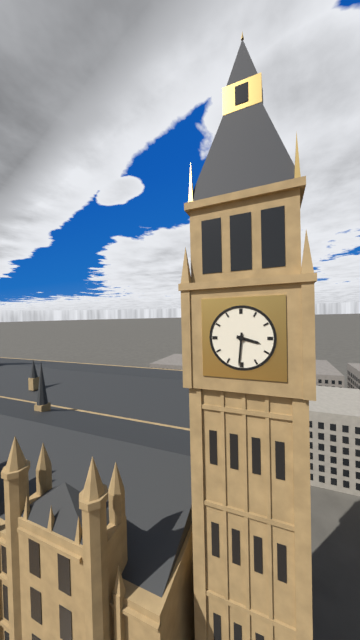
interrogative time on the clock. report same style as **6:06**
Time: **3:31**
